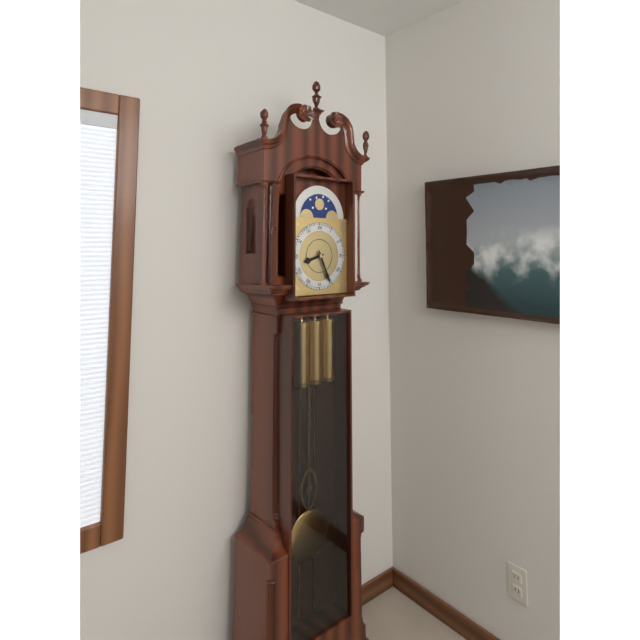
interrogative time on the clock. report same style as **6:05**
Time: **8:26**
